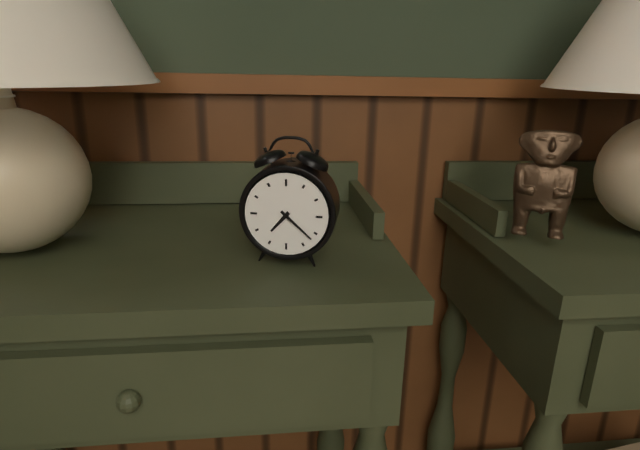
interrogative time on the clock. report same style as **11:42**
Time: **7:22**
